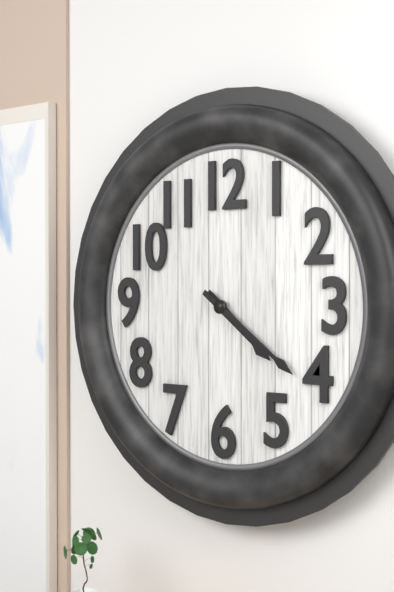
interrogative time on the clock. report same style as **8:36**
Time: **4:21**
